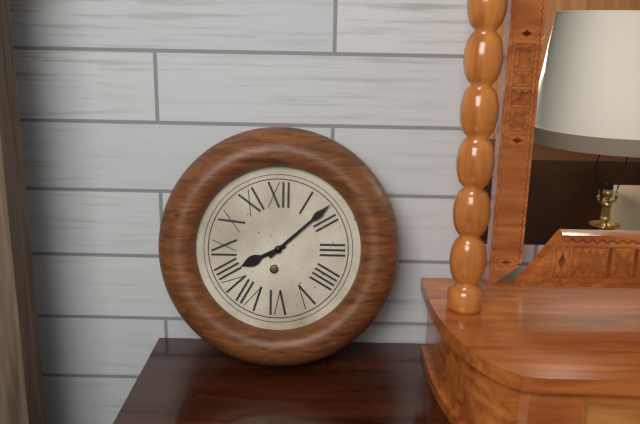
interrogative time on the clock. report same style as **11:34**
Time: **8:08**
